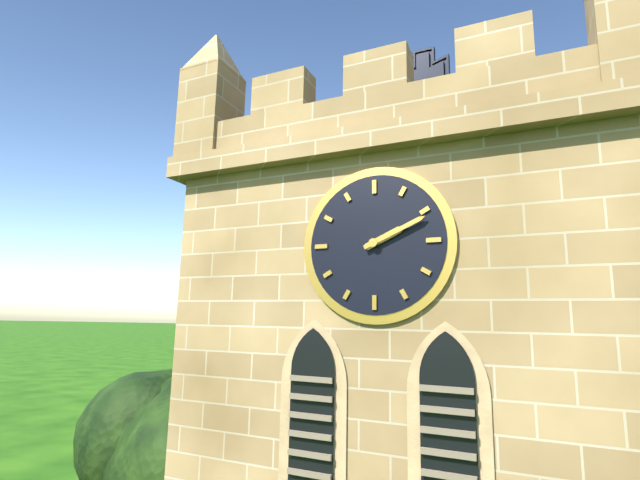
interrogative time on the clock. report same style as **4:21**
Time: **2:11**
